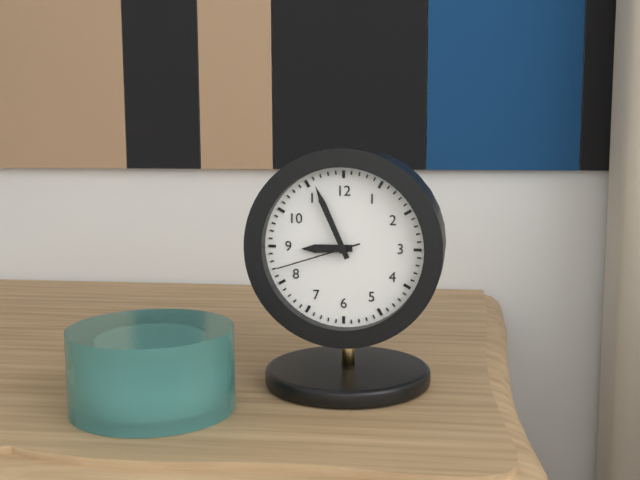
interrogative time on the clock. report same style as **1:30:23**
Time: **8:56:42**
